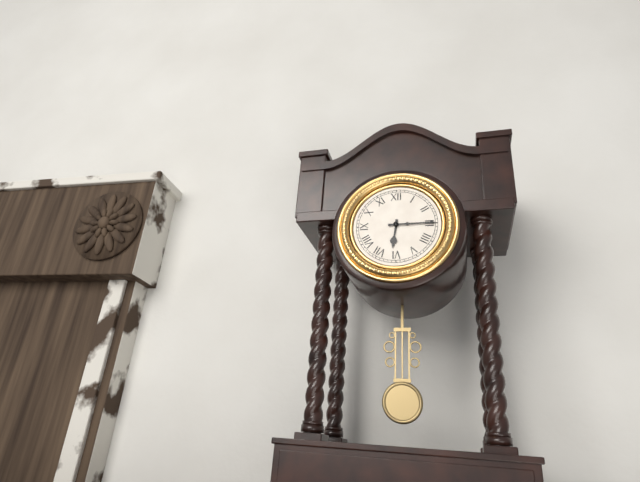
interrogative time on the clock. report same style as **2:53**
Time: **6:15**
